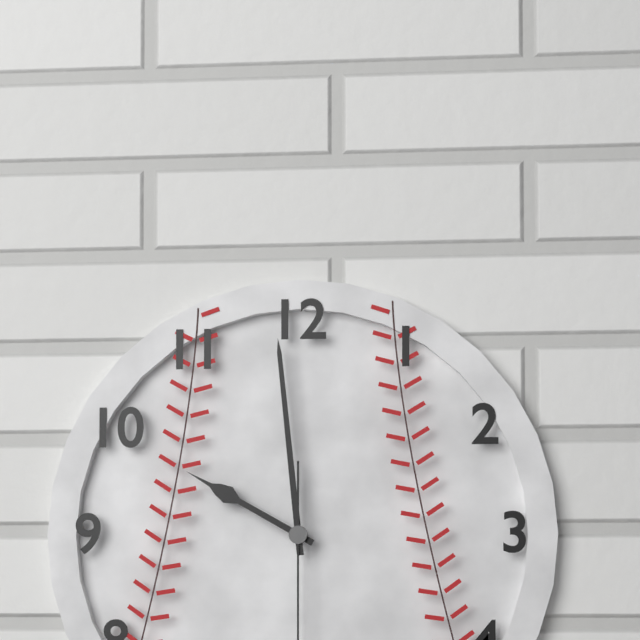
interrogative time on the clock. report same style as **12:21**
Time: **9:59**
